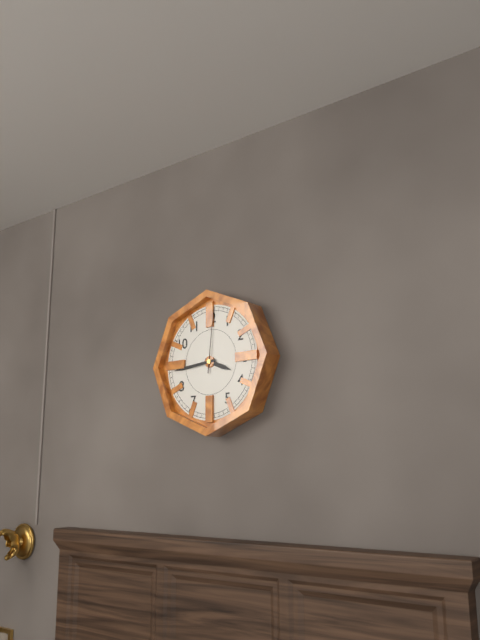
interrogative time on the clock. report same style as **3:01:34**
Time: **3:44:01**
